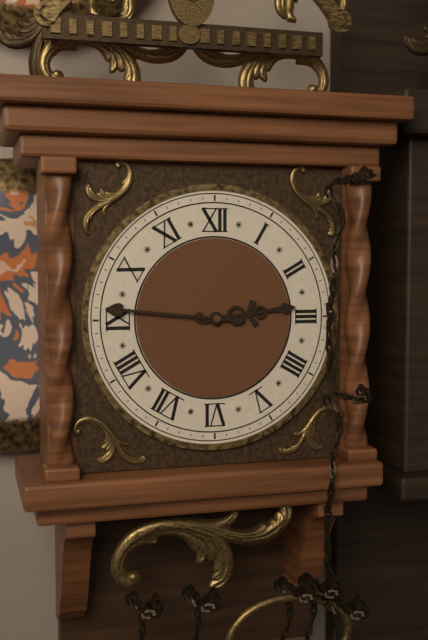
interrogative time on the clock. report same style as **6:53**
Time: **2:46**
